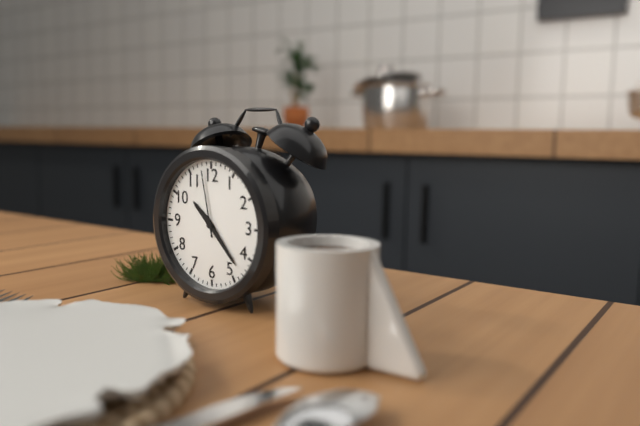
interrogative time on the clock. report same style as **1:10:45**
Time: **10:23:58**
